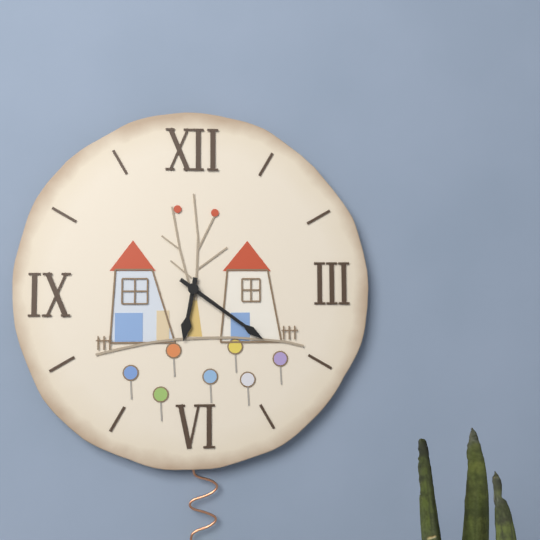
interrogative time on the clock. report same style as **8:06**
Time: **6:21**
